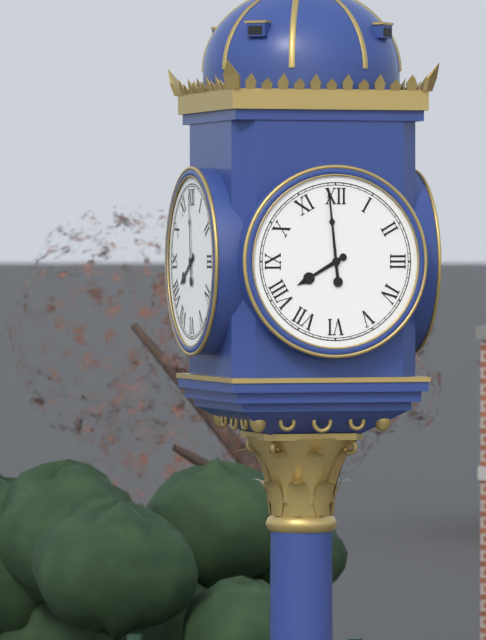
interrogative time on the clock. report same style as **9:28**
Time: **7:59**
